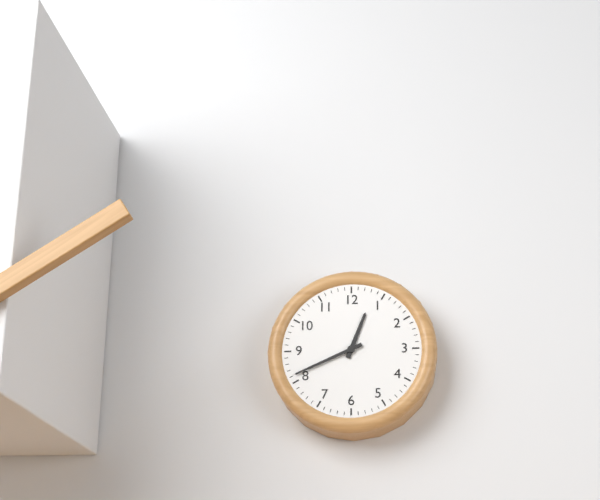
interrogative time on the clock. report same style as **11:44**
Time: **12:41**
